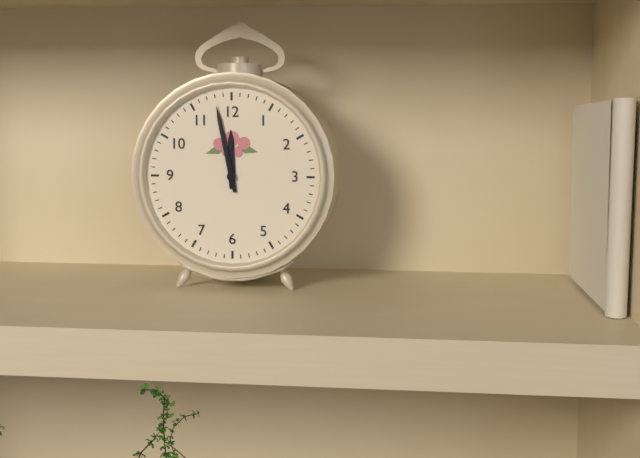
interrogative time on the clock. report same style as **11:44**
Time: **11:58**
